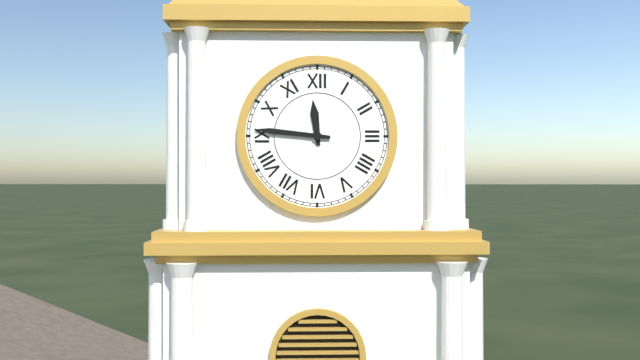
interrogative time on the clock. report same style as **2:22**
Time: **11:46**
